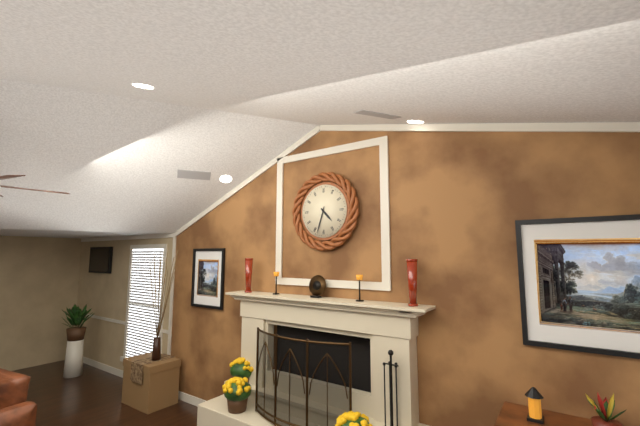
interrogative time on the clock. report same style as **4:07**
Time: **4:33**
